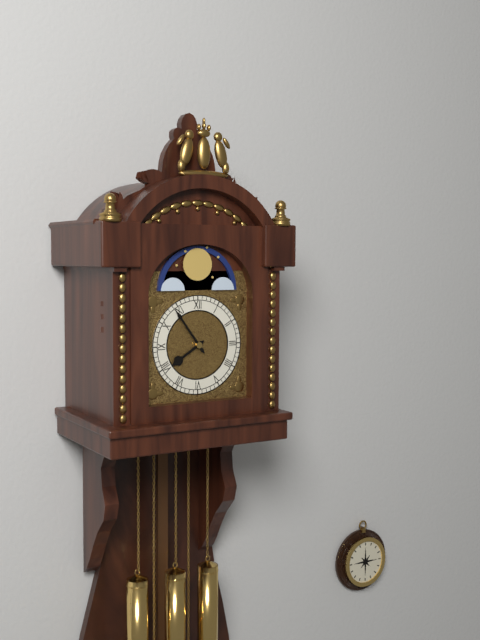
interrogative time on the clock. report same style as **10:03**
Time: **7:54**
